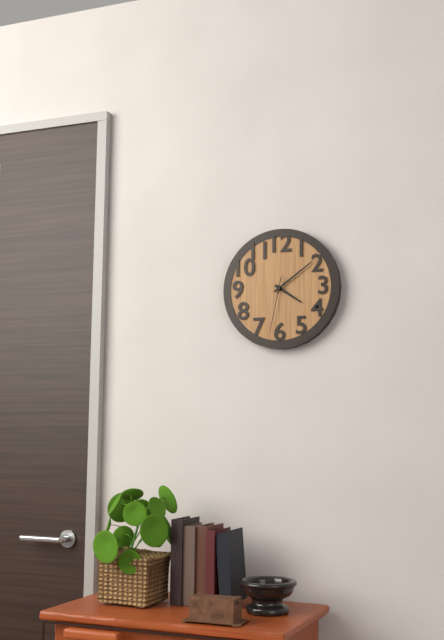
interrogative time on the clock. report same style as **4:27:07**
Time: **4:09:32**
